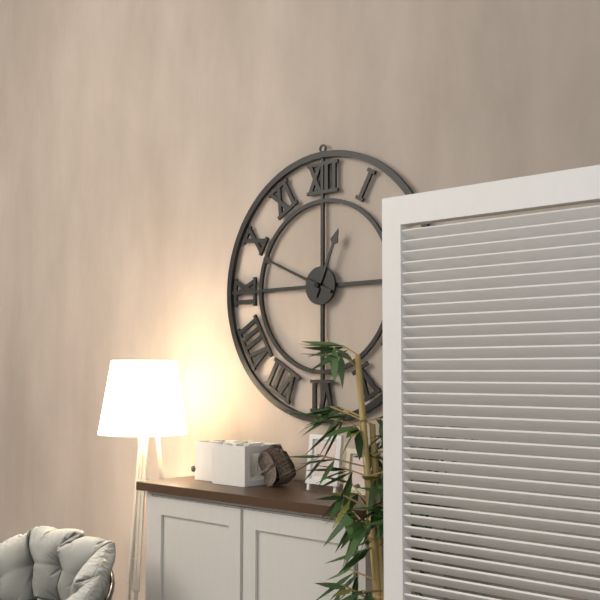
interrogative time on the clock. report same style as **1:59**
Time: **12:49**
